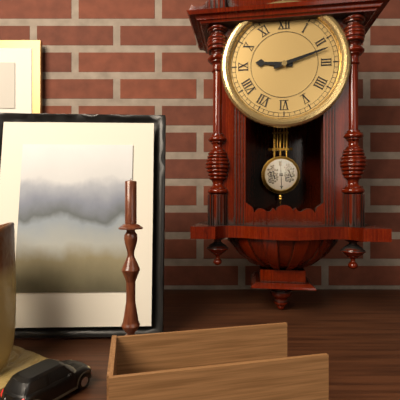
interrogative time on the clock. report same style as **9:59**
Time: **9:12**
